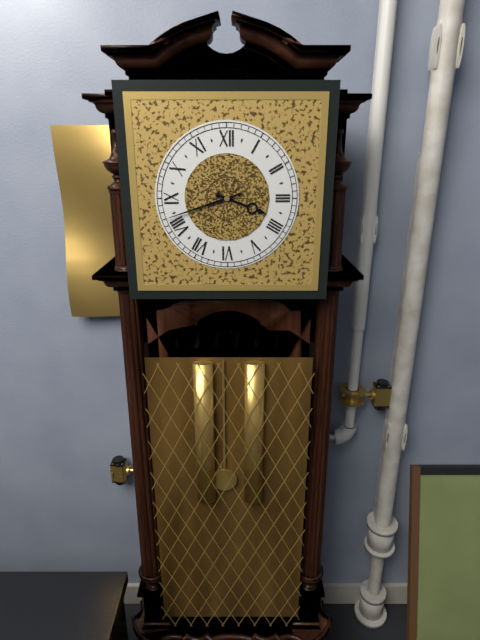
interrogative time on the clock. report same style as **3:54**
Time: **3:42**
